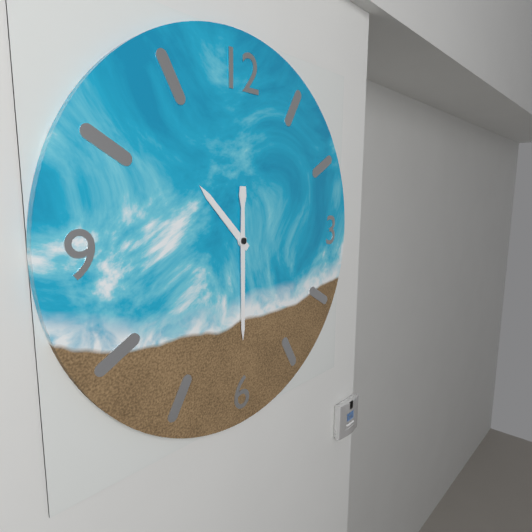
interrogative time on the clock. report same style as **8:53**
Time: **10:30**
